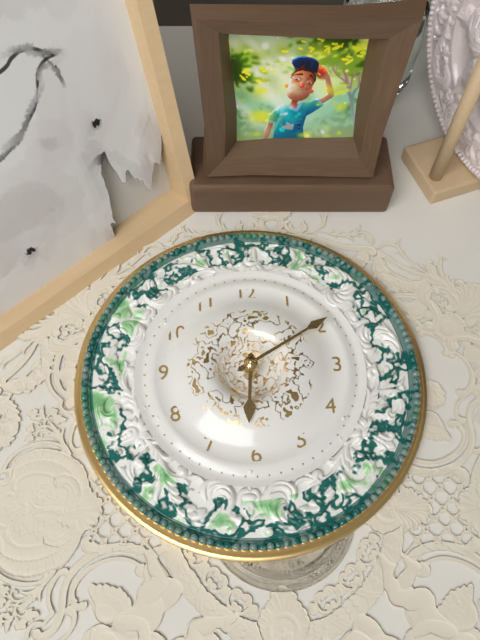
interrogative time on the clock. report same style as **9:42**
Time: **6:10**
